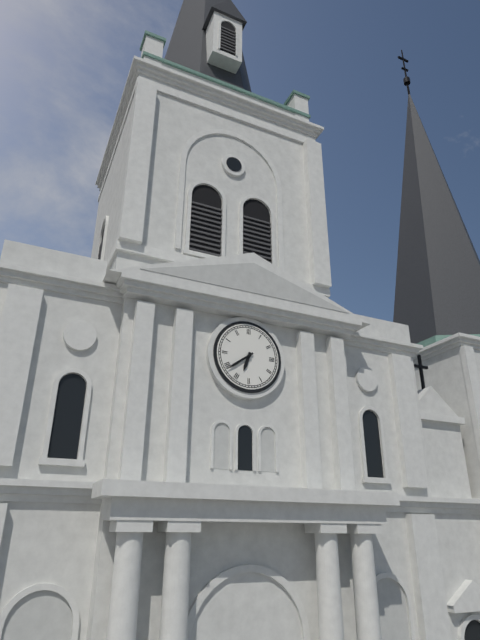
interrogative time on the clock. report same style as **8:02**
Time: **6:39**
